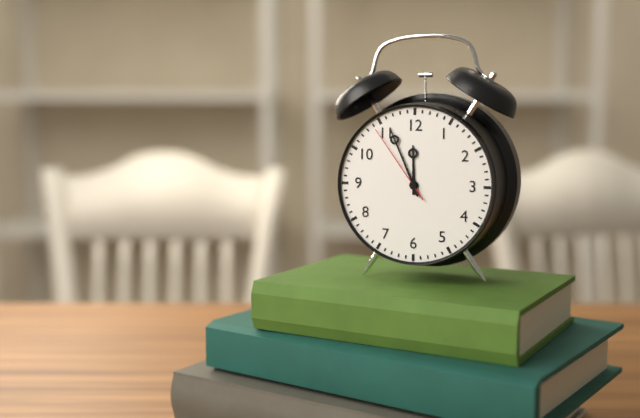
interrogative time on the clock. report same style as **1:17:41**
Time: **11:56:54**
